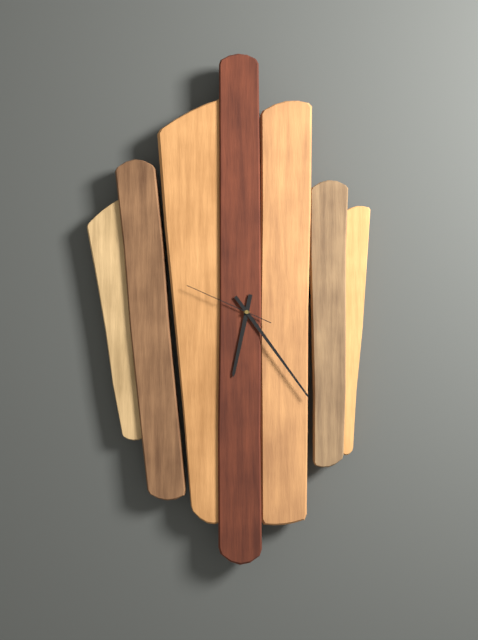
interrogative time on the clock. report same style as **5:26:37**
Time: **6:24:49**
